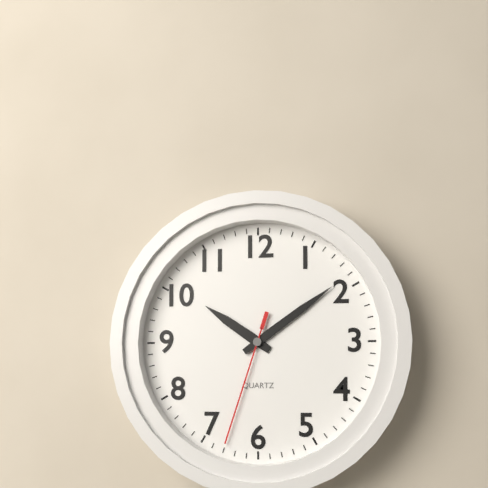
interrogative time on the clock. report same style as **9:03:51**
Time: **10:09:33**
